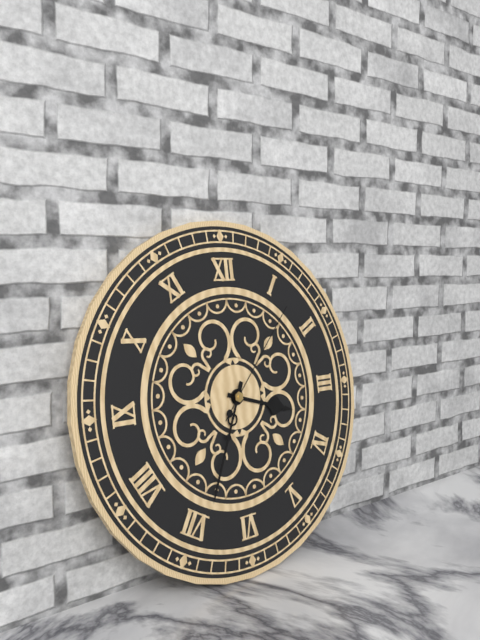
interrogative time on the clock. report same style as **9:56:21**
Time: **3:34:07**
